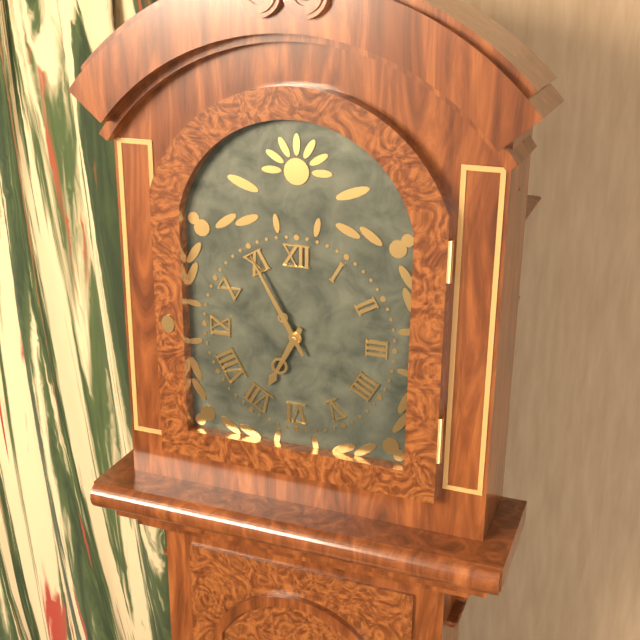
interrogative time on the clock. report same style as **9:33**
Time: **6:55**
